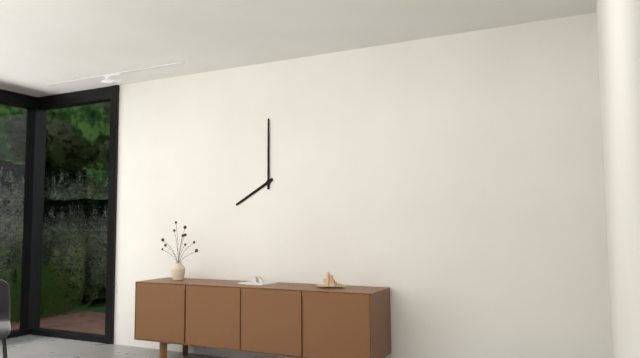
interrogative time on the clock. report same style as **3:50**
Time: **8:00**
